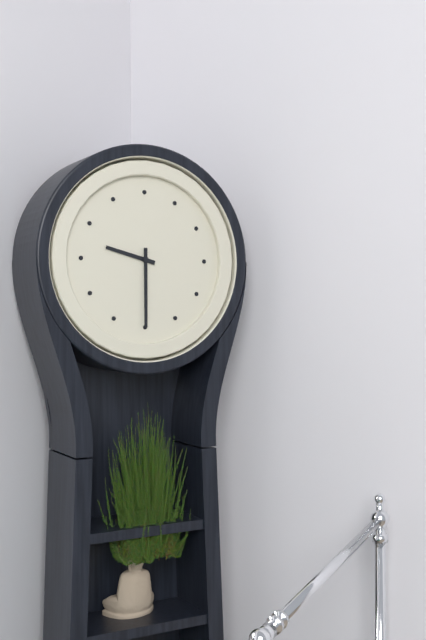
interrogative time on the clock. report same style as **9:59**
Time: **9:30**
